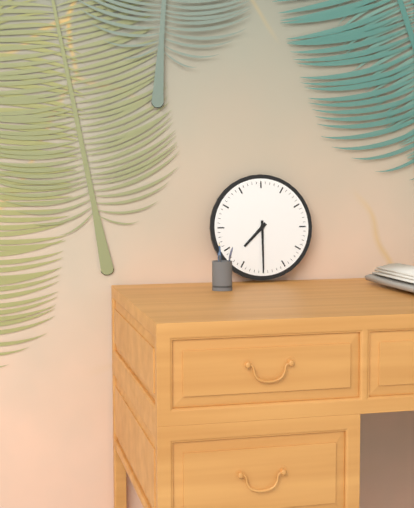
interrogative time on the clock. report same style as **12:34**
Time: **7:30**
